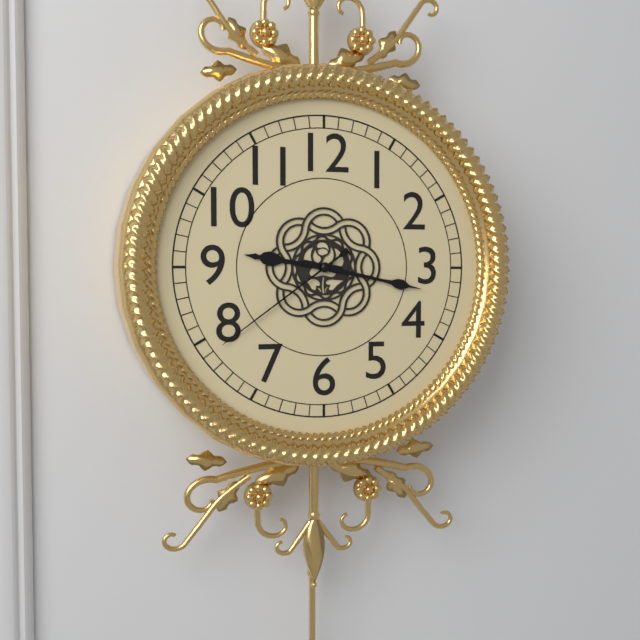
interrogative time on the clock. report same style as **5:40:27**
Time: **9:17:39**
